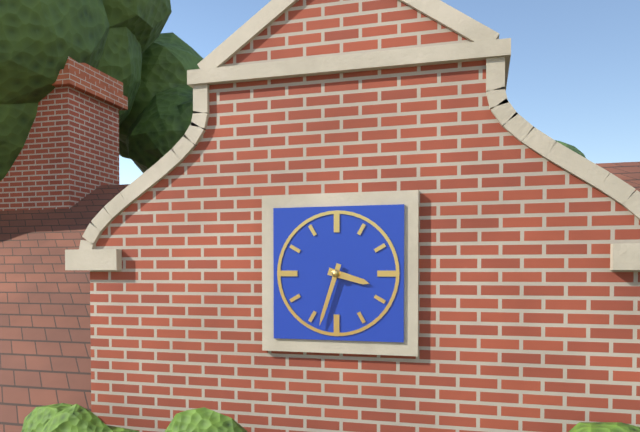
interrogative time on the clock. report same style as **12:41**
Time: **3:33**
